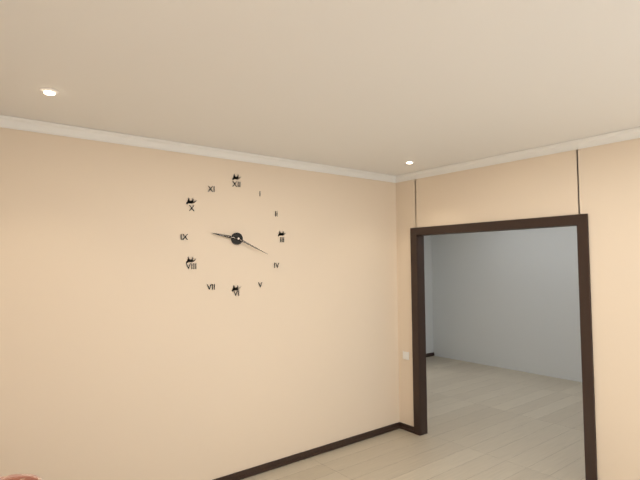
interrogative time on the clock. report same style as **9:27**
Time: **9:19**
